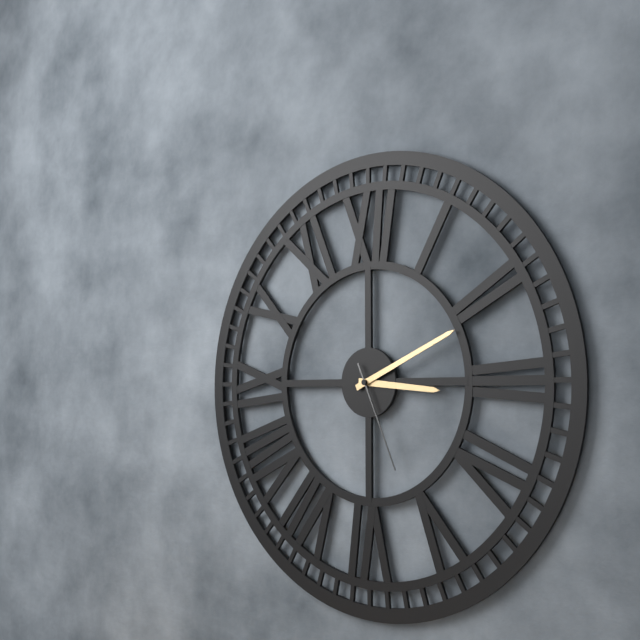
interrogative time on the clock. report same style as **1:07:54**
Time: **3:11:26**
